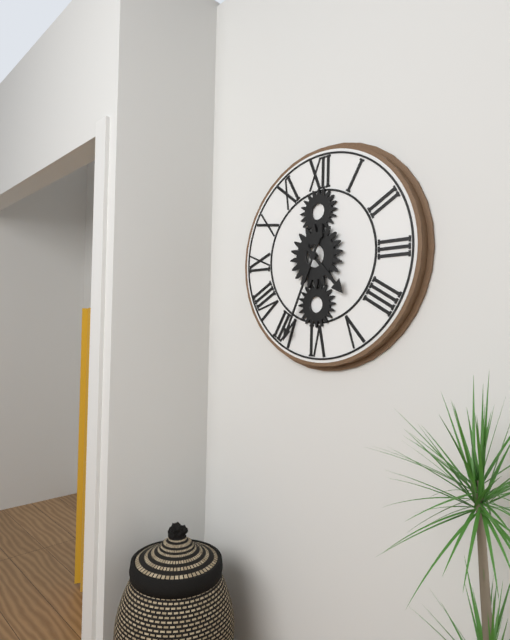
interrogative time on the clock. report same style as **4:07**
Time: **4:34**
